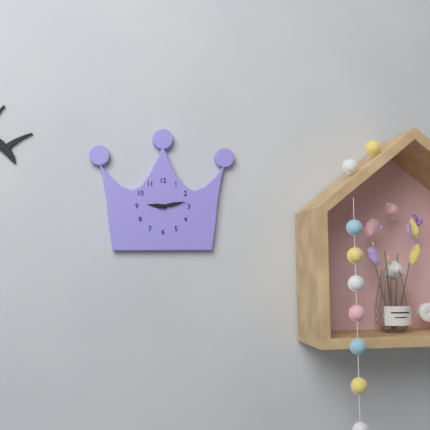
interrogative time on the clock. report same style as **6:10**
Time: **9:13**
